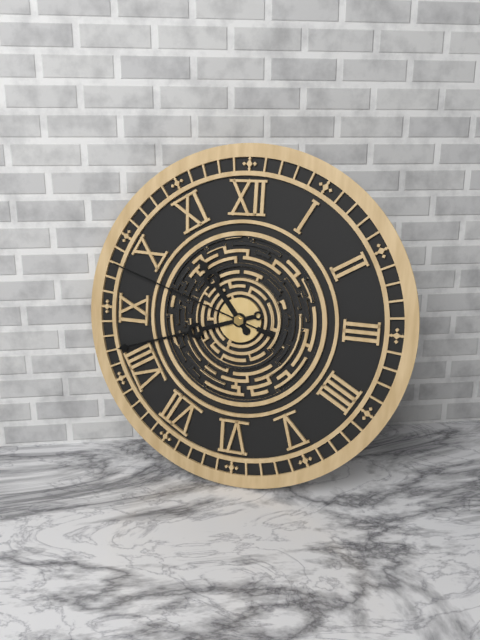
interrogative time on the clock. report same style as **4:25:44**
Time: **10:42:48**
